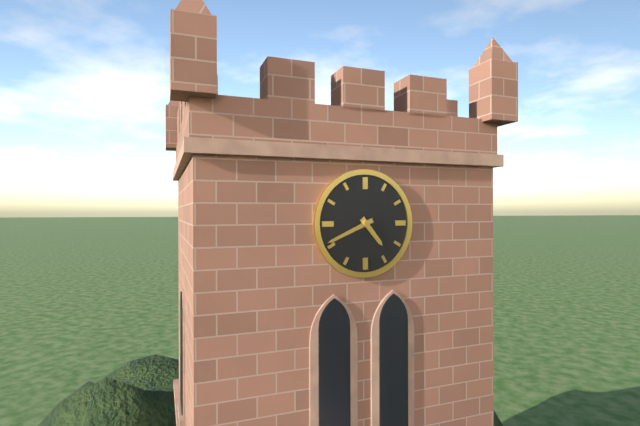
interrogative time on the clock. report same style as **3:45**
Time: **4:41**
